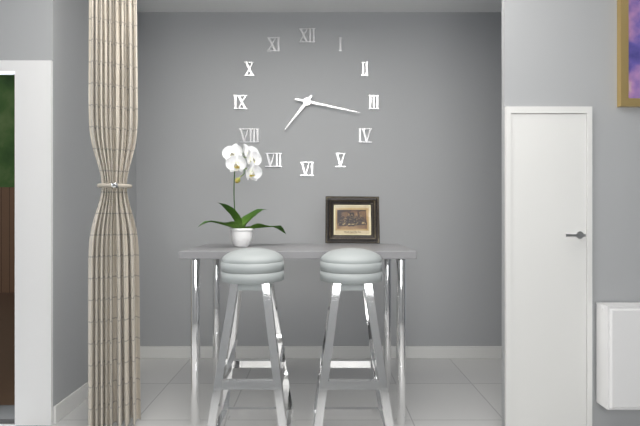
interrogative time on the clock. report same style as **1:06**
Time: **7:17**
